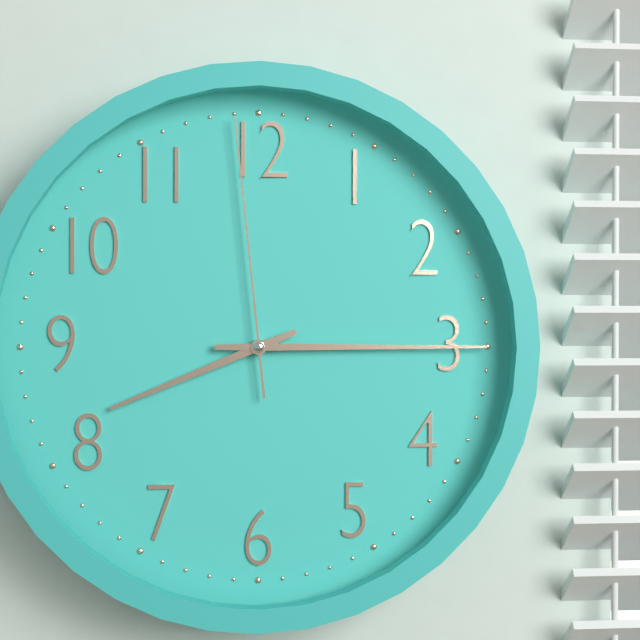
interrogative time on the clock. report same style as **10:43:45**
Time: **8:15:59**
